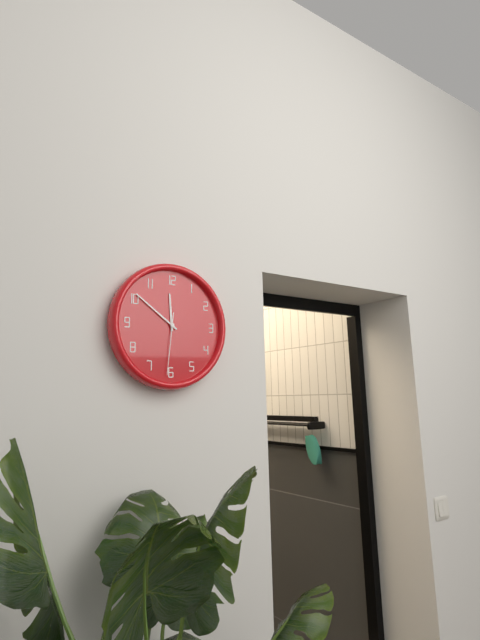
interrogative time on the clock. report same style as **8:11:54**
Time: **11:51:31**
